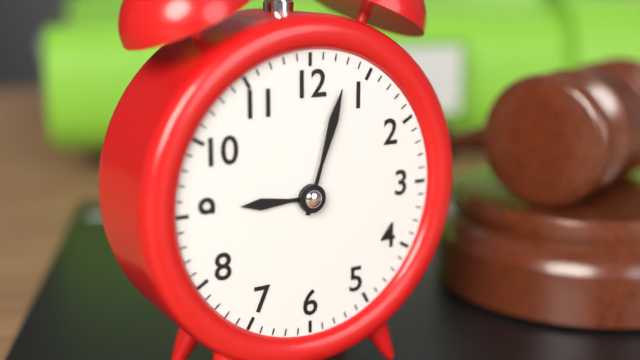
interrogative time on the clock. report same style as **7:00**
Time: **9:03**
